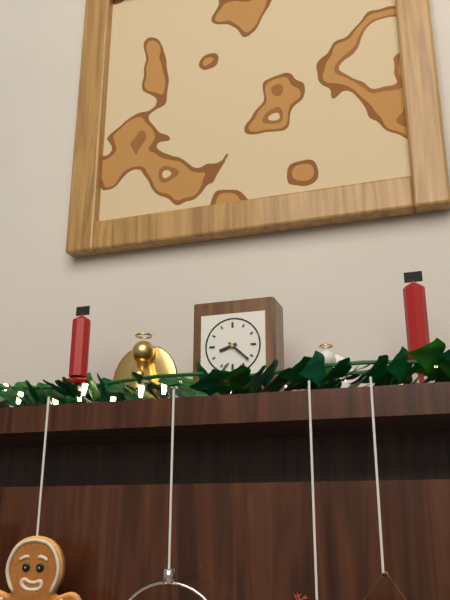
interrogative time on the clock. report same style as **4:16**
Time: **8:22**
